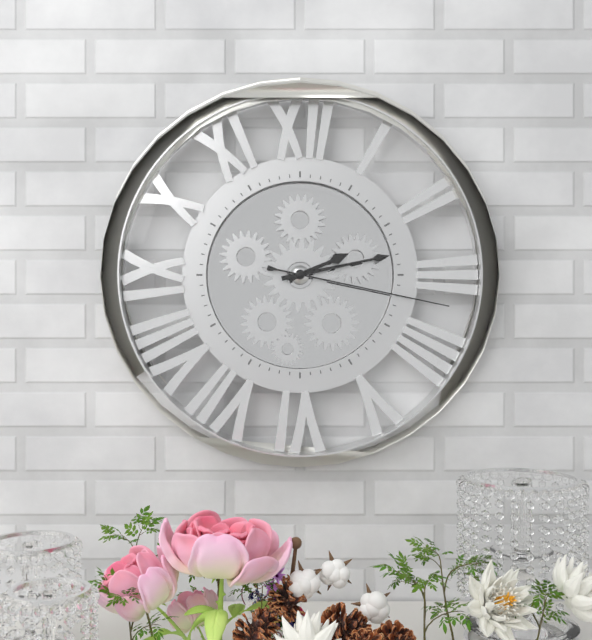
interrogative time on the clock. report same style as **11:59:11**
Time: **2:13:17**
